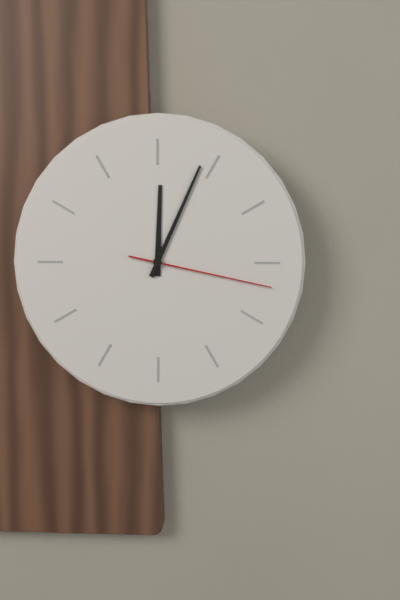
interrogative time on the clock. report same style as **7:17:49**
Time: **12:04:17**
